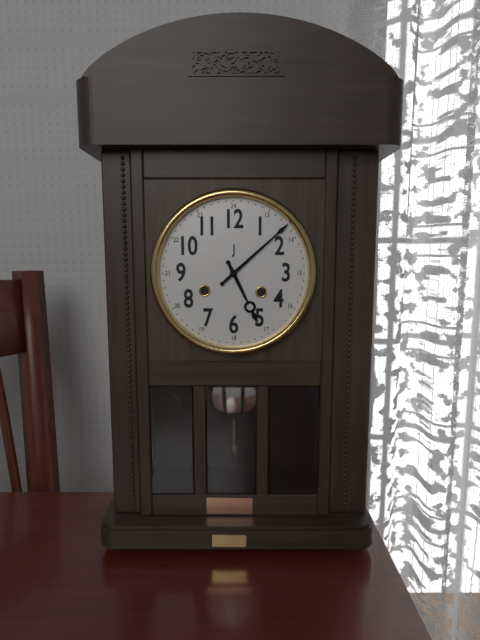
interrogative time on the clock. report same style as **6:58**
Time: **5:08**
